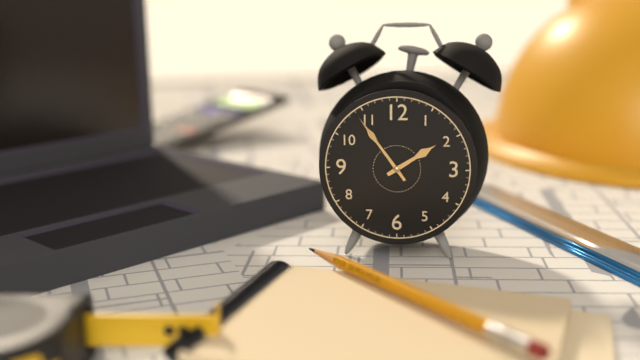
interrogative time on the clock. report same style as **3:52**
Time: **1:54**
